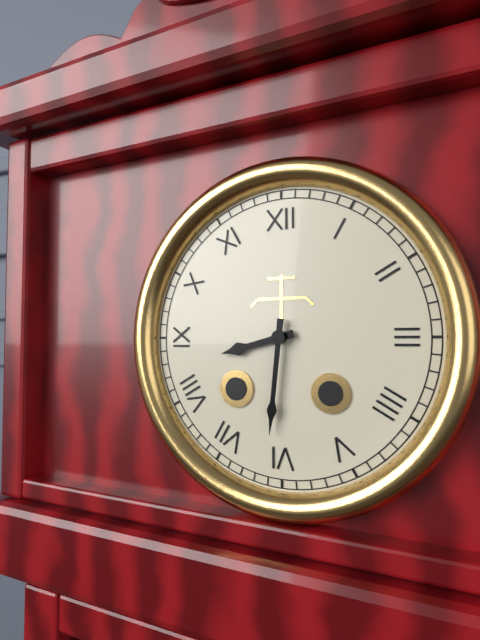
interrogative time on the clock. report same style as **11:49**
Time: **8:31**
